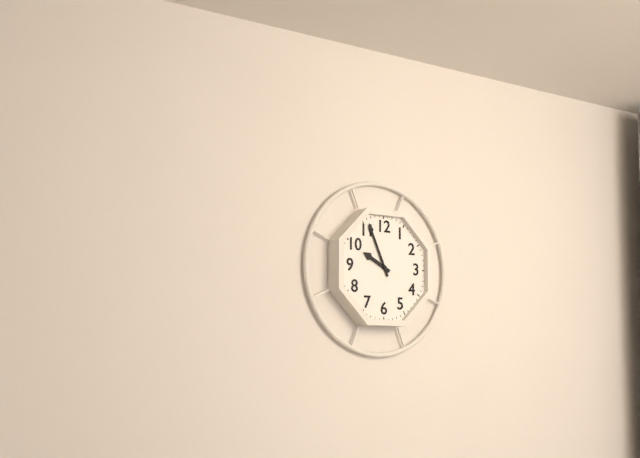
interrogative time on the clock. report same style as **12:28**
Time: **9:56**
